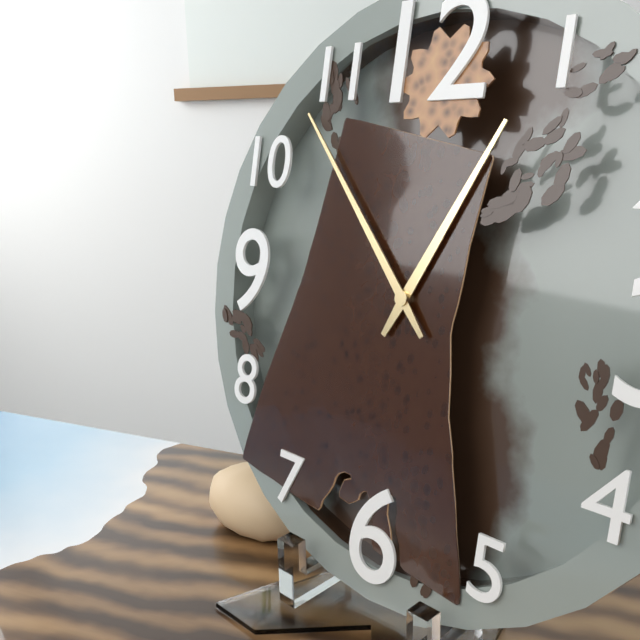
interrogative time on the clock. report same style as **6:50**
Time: **12:53**
